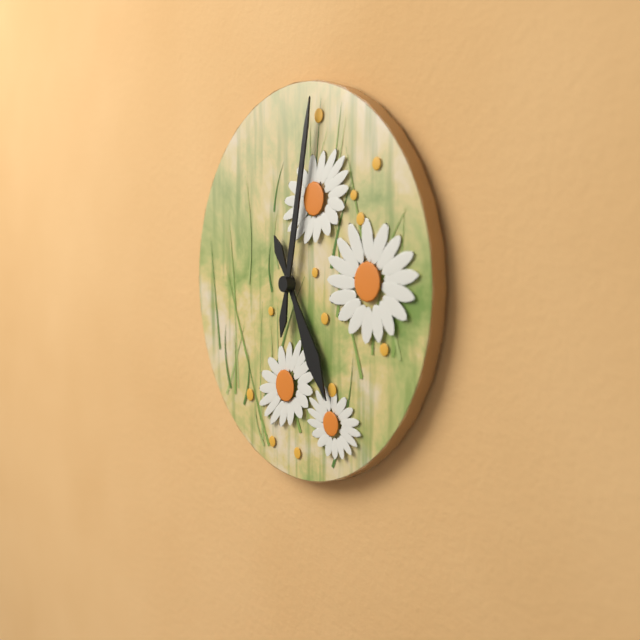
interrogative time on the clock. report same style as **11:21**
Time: **5:02**
